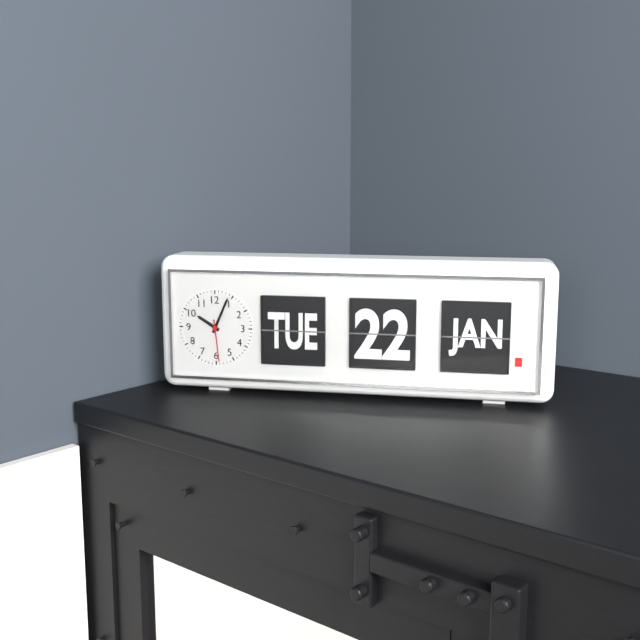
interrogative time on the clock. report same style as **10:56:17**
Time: **10:04:29**
